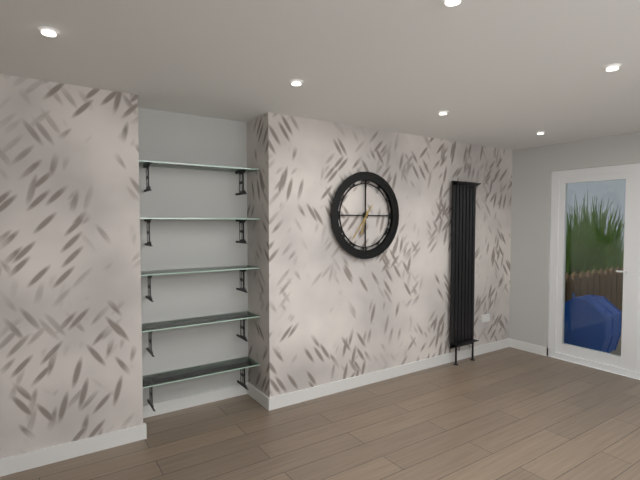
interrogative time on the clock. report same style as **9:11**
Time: **6:36**
